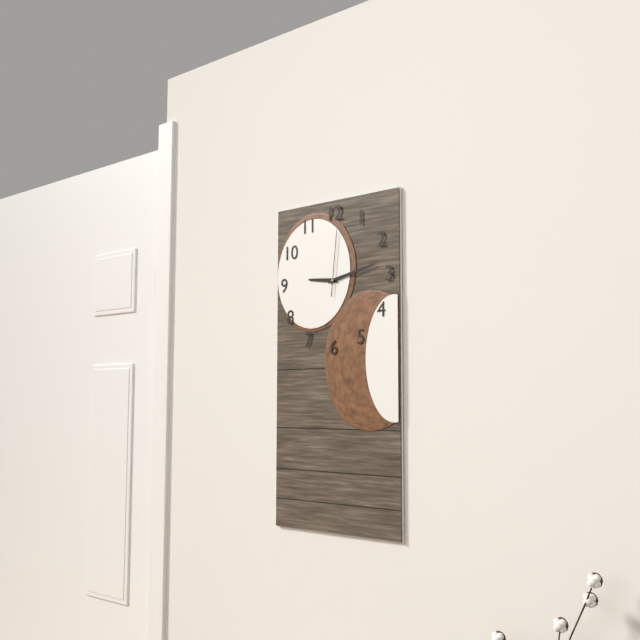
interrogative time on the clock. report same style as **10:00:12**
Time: **9:13:01**
